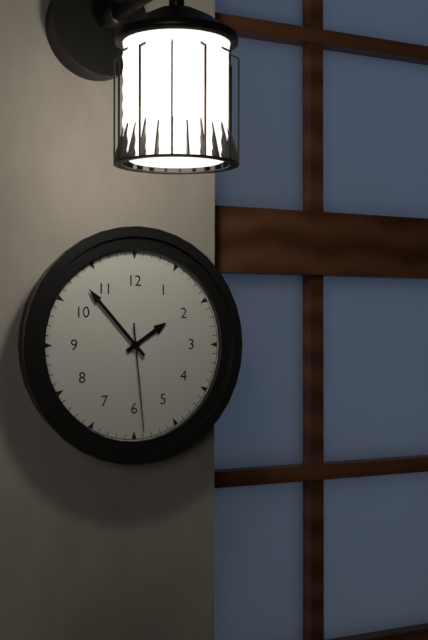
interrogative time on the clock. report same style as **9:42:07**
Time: **1:53:29**
